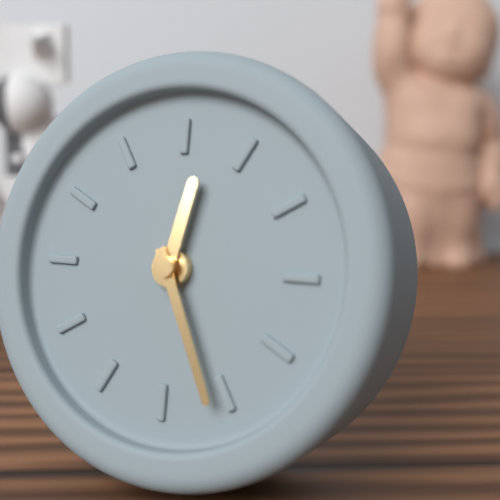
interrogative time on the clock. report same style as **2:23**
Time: **12:26**
